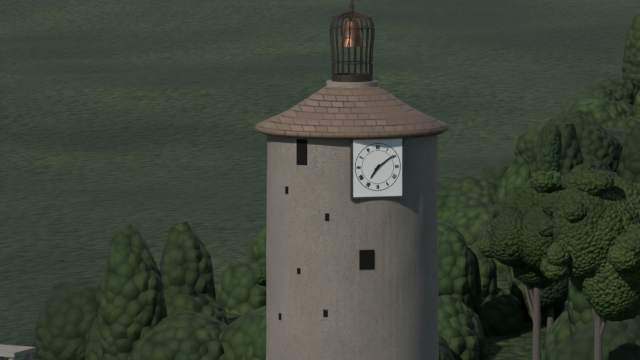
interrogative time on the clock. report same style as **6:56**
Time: **7:09**
